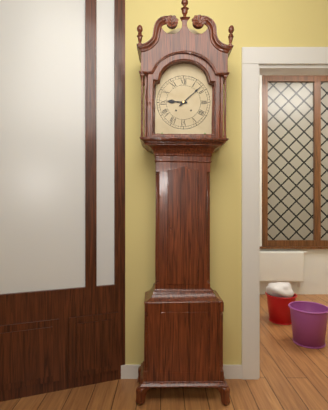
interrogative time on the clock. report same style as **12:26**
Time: **9:08**
